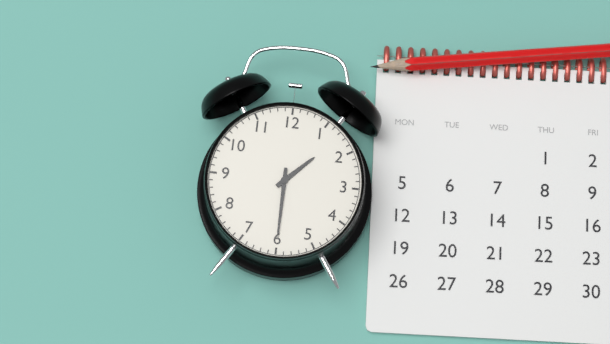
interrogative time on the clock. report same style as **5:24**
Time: **1:30**
